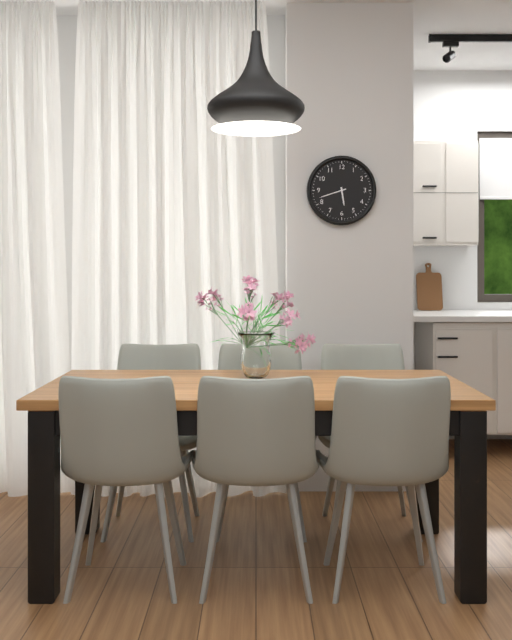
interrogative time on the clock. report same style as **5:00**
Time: **5:42**
